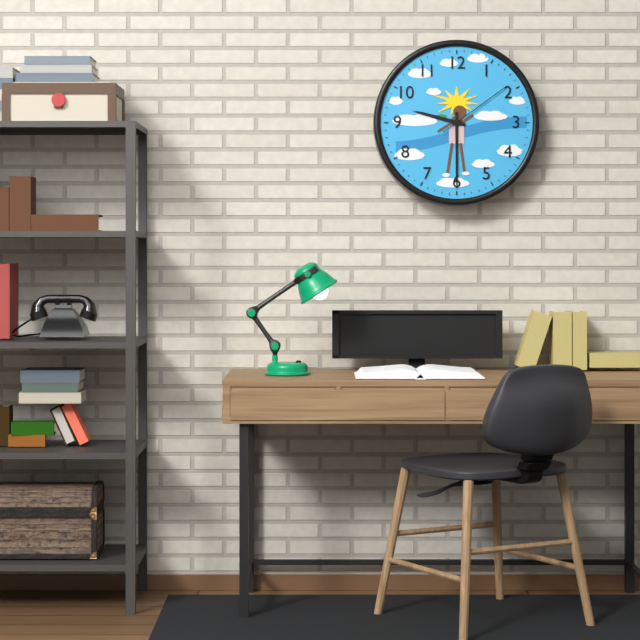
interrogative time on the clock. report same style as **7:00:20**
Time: **9:30:09**
